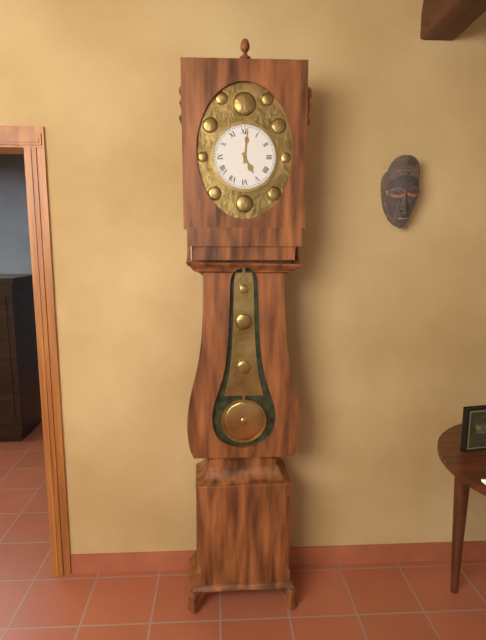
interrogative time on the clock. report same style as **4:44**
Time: **5:01**
